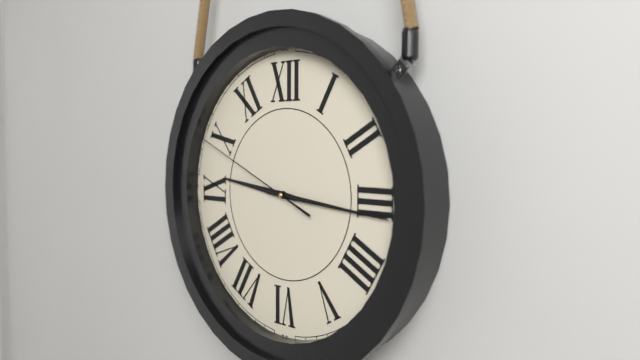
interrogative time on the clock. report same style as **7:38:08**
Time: **9:16:49**
